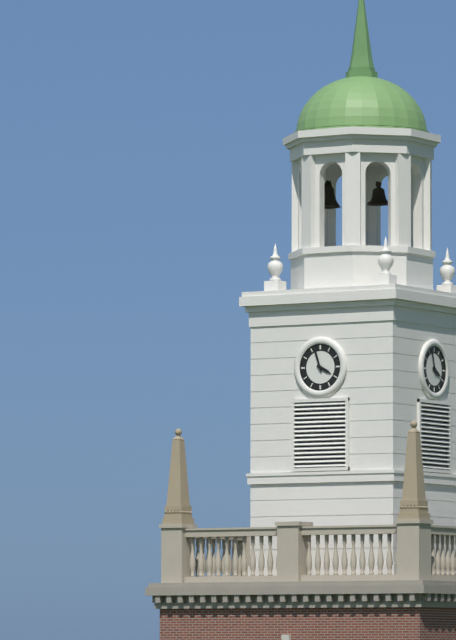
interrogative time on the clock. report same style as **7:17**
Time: **3:57**
